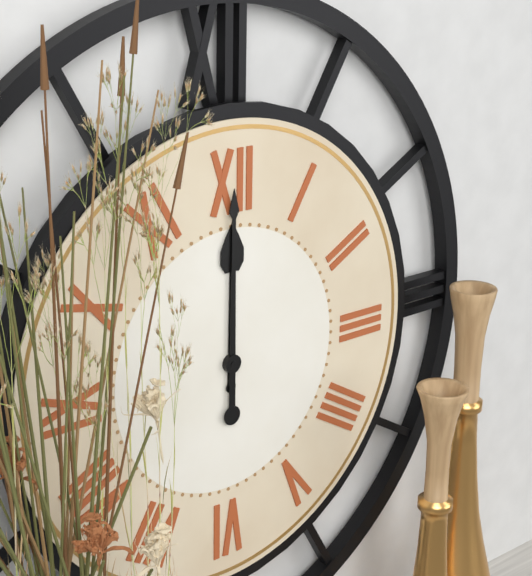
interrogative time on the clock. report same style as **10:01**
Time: **12:00**
